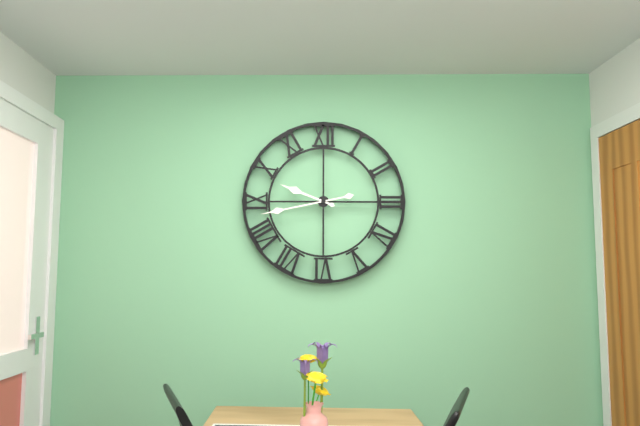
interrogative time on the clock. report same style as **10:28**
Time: **9:43**
